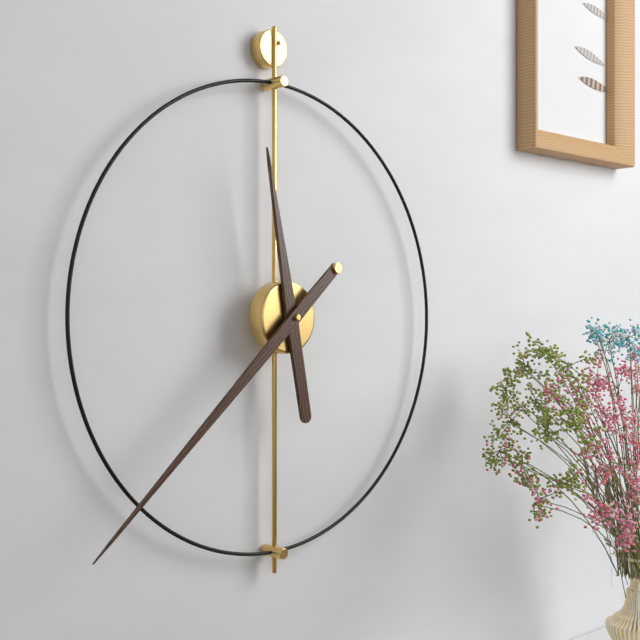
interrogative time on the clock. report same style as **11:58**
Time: **11:38**
